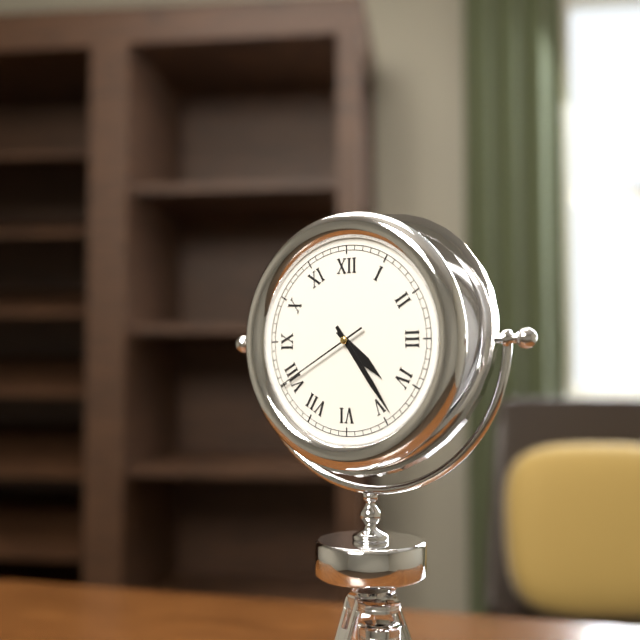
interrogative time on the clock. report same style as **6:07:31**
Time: **4:24:40**
